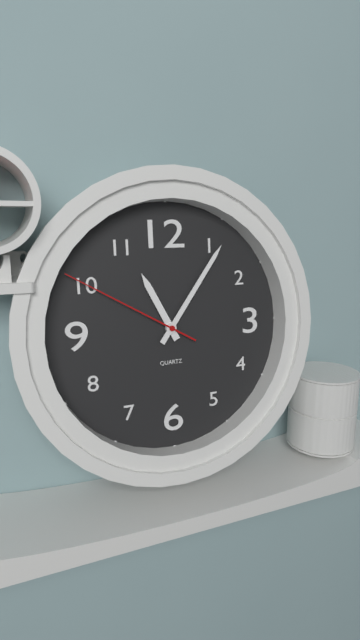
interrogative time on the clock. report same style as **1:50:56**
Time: **11:06:50**
